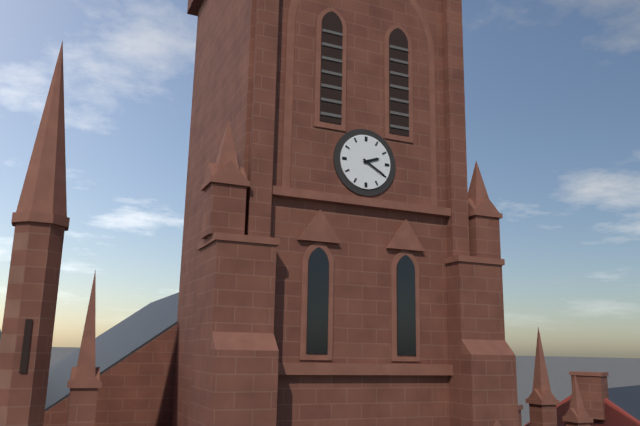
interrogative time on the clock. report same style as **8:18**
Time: **2:20**
